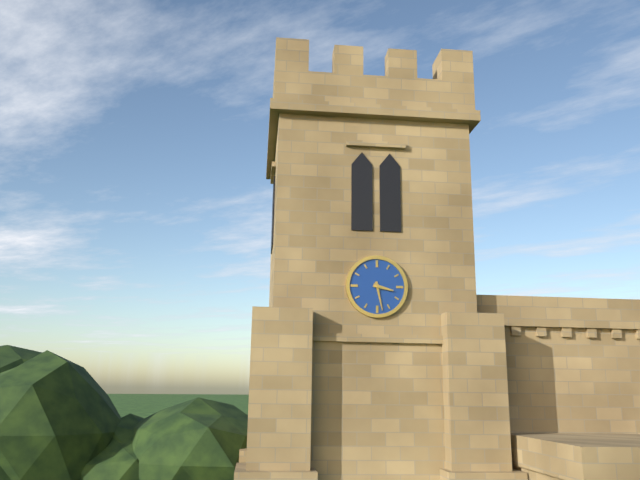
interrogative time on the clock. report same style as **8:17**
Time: **3:28**
